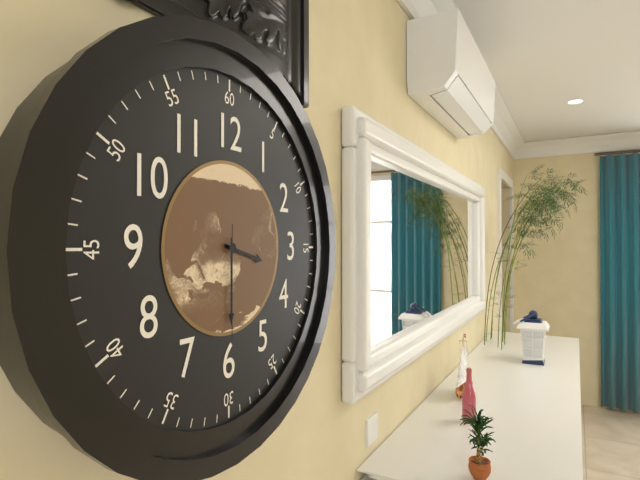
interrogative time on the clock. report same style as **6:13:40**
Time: **3:30:30**
